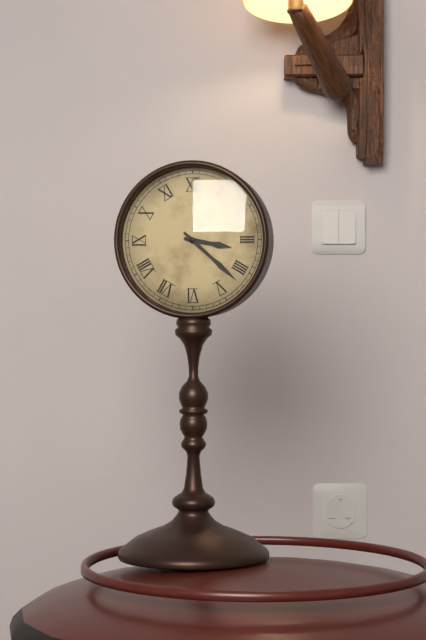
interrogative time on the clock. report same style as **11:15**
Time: **3:22**
